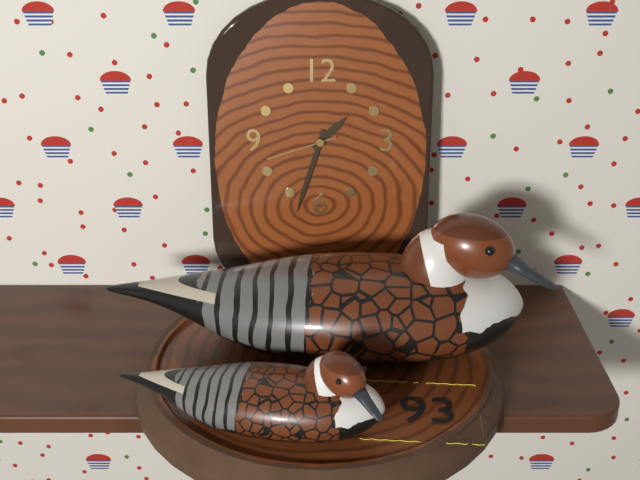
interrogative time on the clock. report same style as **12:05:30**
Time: **1:33:42**
